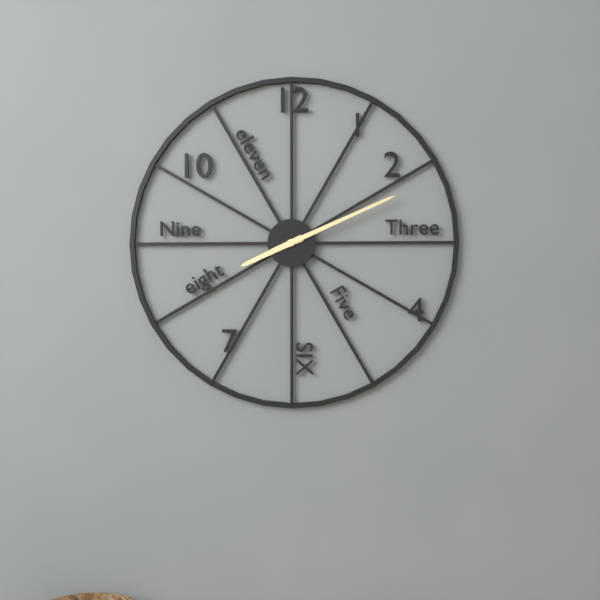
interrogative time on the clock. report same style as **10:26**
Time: **8:11**
